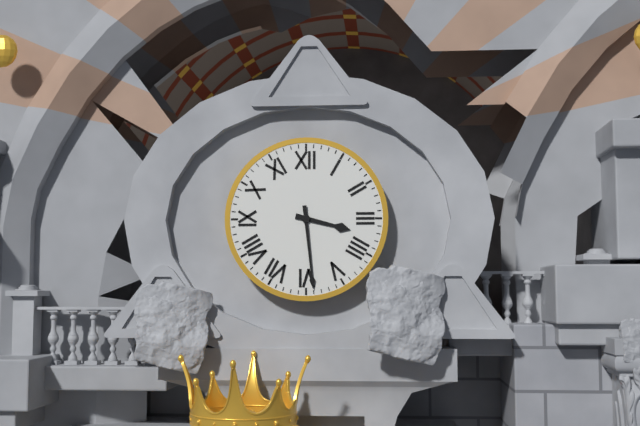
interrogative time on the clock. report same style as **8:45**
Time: **3:29**
